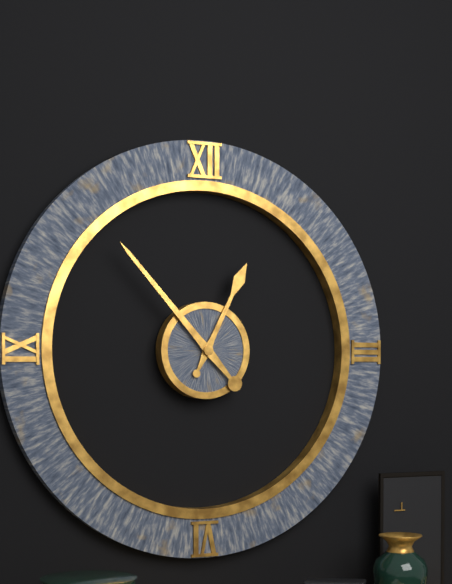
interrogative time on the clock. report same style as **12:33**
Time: **12:53**
